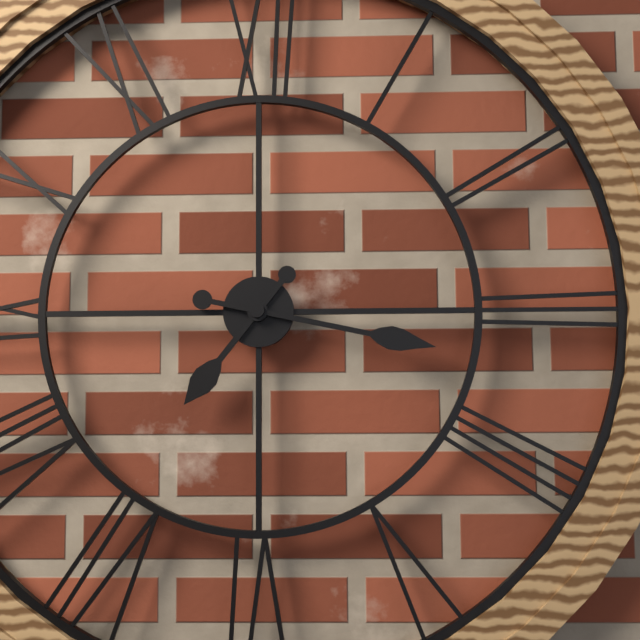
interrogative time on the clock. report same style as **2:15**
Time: **7:17**
